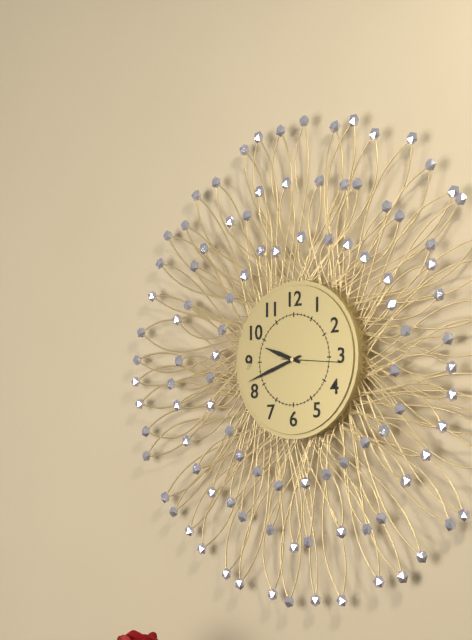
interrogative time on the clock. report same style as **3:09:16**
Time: **9:42:16**
